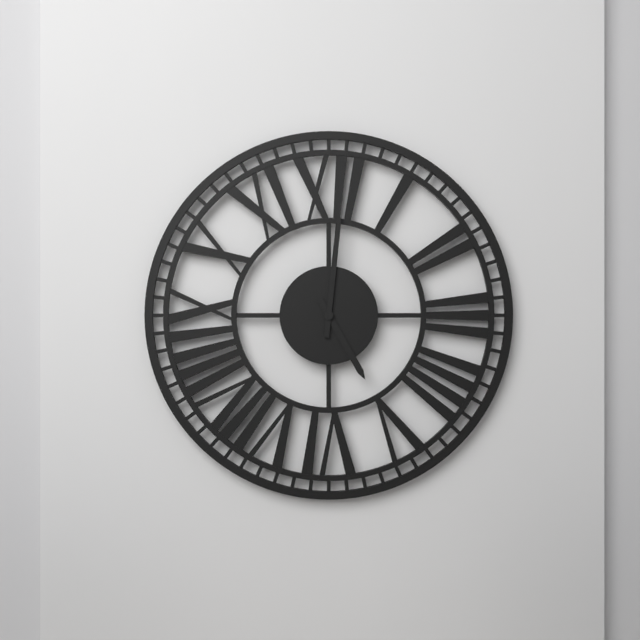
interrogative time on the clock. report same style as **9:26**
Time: **5:01**
